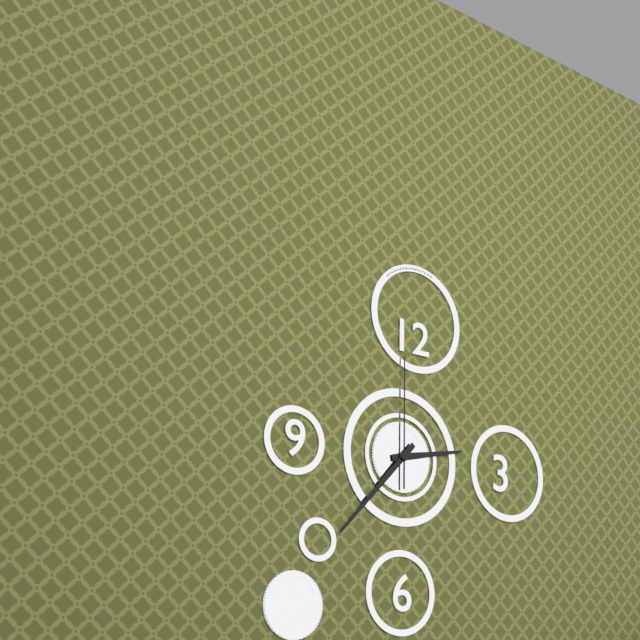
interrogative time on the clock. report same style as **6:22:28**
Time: **2:37:00**
